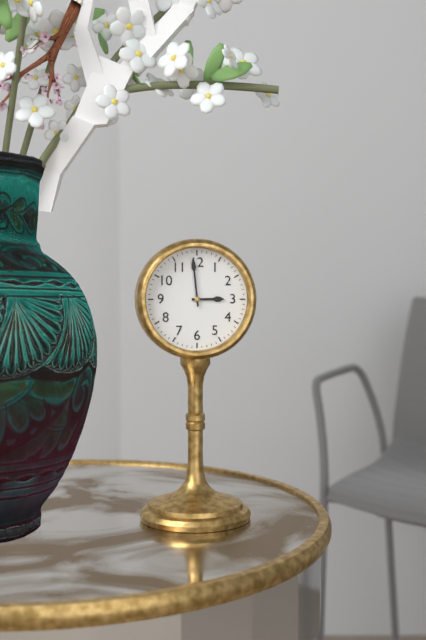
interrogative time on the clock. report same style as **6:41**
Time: **2:59**
